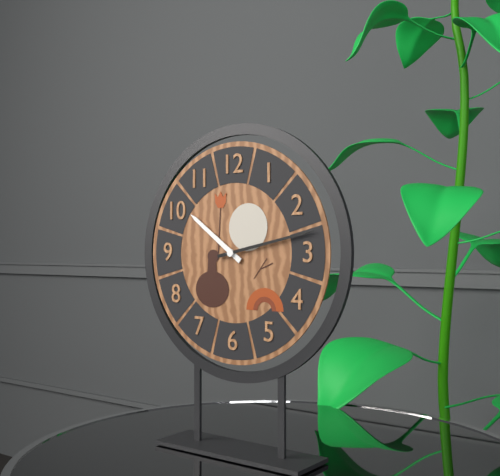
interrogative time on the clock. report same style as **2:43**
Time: **10:13**
